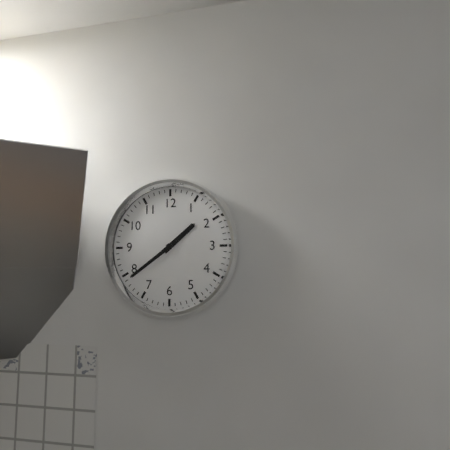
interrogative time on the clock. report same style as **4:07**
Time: **1:39**
